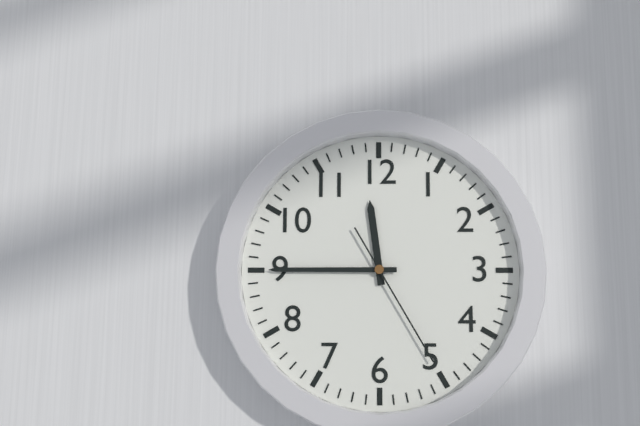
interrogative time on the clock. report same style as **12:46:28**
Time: **11:45:25**
